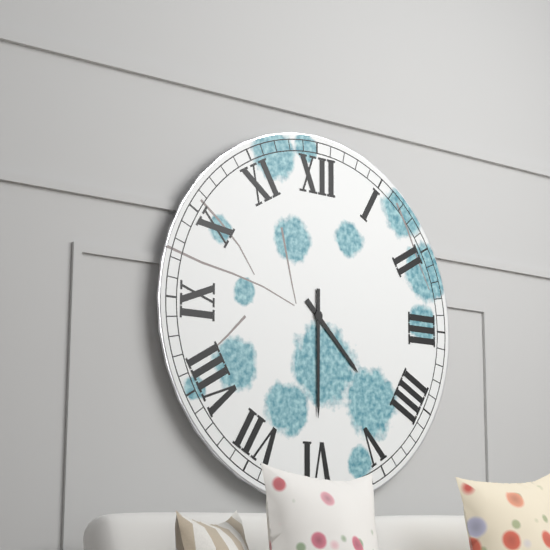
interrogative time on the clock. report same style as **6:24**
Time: **4:30**
